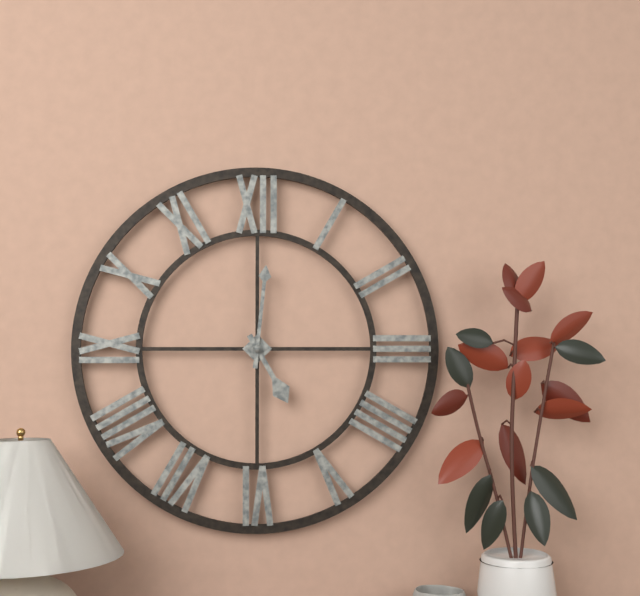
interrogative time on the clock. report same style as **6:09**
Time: **5:01**
